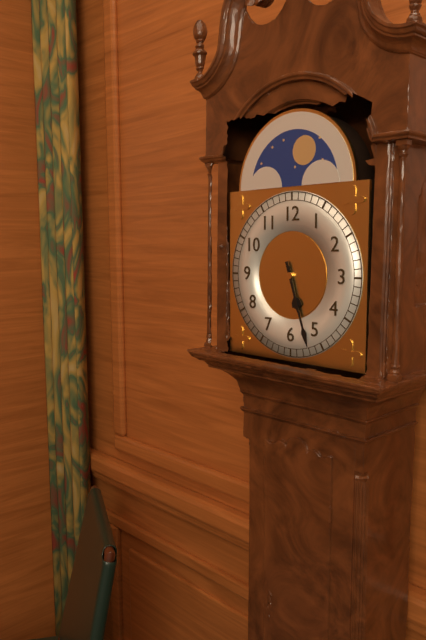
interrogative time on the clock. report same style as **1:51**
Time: **5:27**
